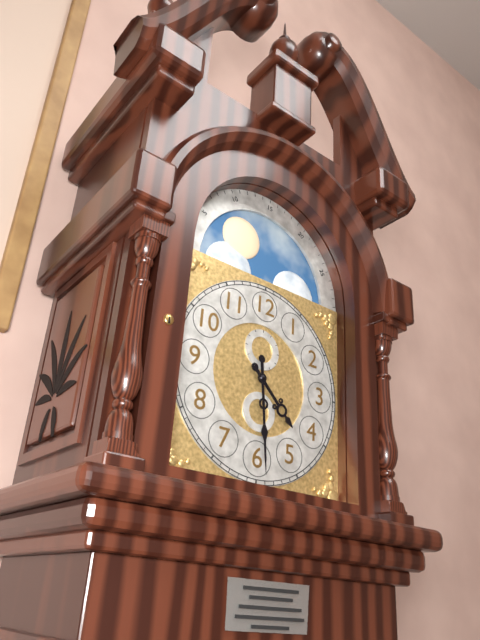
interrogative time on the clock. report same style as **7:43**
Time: **4:29**
